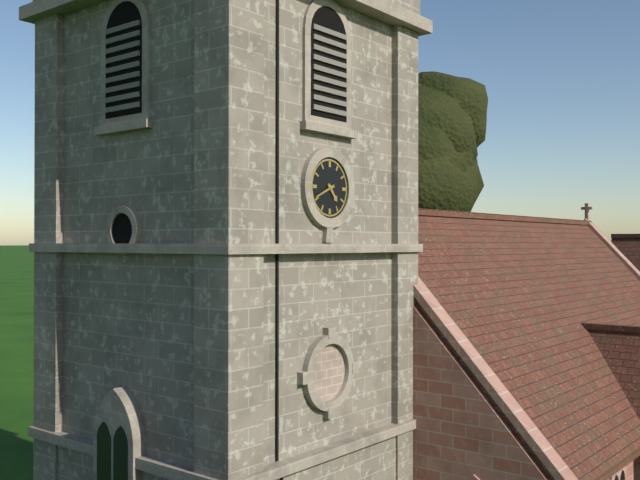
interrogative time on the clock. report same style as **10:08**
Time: **4:41**
